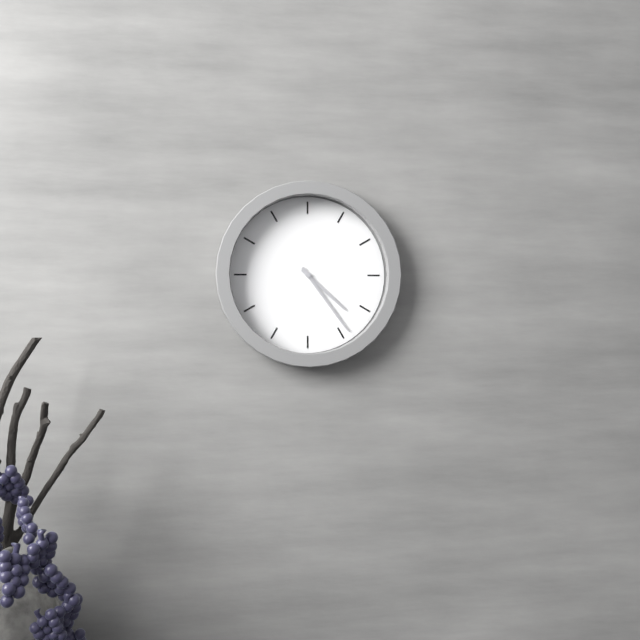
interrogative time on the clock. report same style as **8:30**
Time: **4:24**
